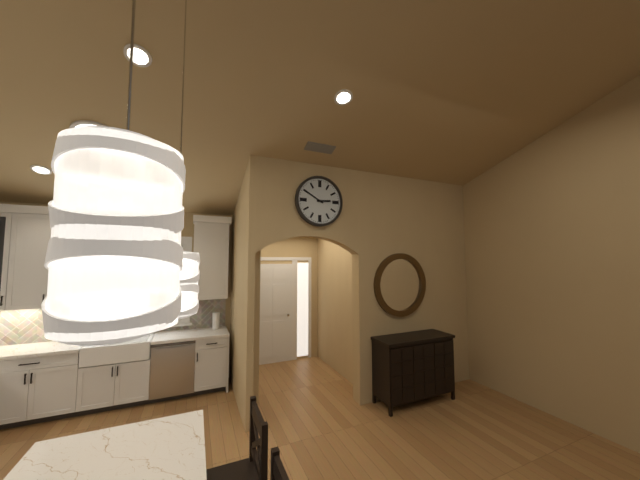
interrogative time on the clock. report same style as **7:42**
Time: **2:50**
